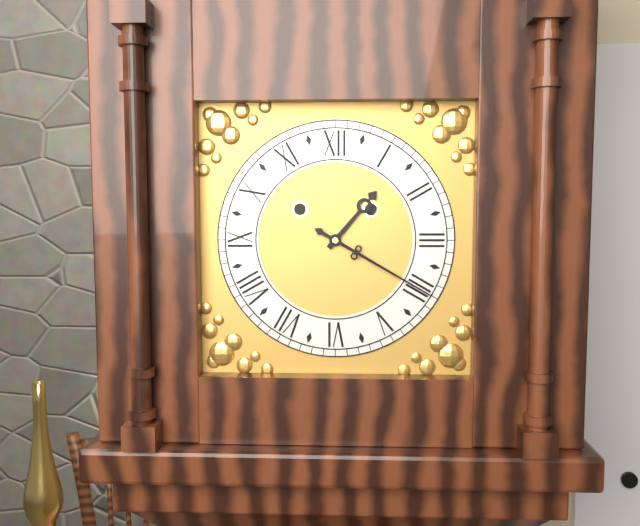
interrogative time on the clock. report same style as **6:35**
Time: **1:20**
